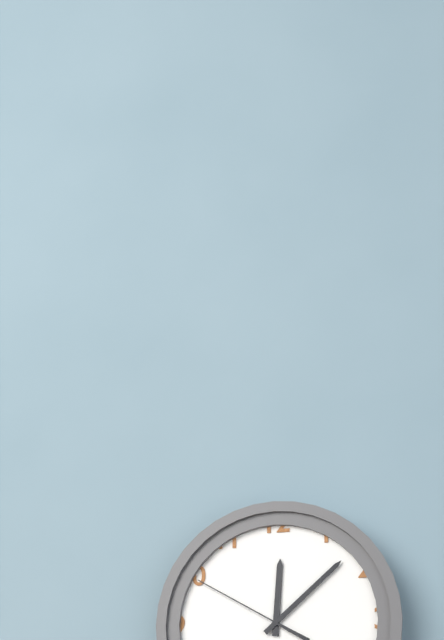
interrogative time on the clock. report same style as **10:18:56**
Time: **12:08:50**
